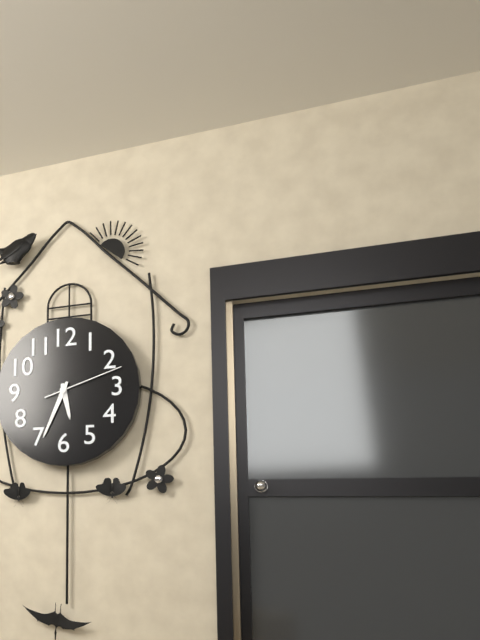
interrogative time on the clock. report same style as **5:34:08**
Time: **5:34:12**
